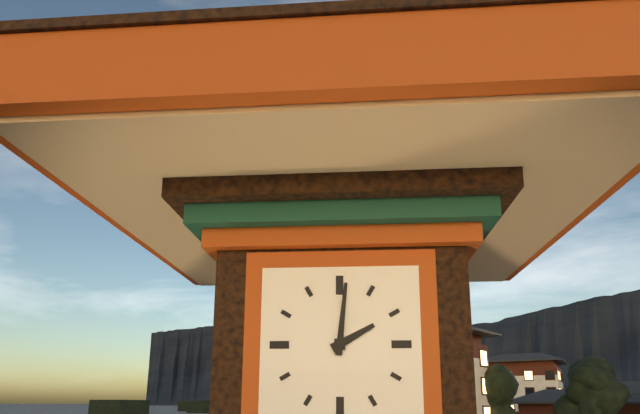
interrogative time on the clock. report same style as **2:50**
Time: **2:01**
